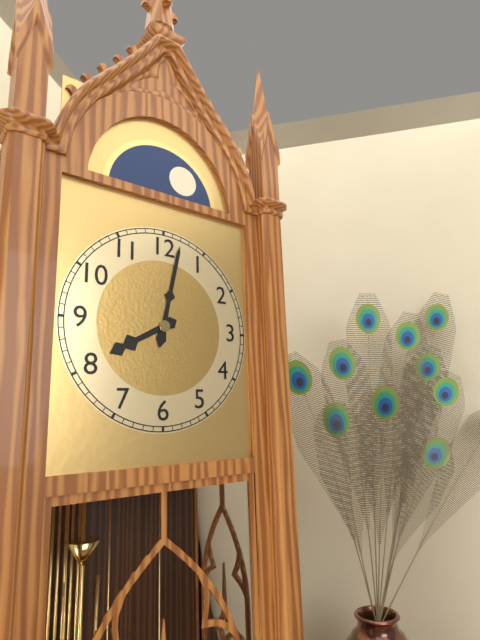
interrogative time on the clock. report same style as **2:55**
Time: **8:02**
